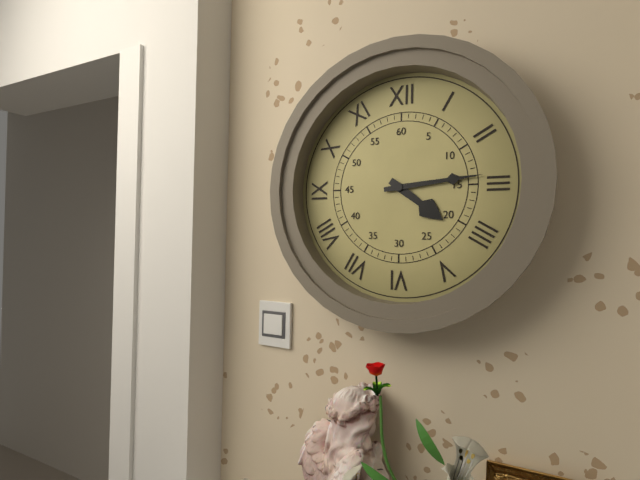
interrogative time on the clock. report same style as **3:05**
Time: **4:14**
